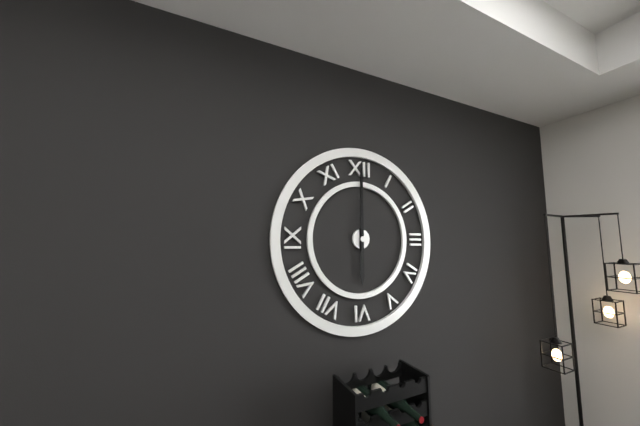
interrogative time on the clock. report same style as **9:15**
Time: **6:00**
